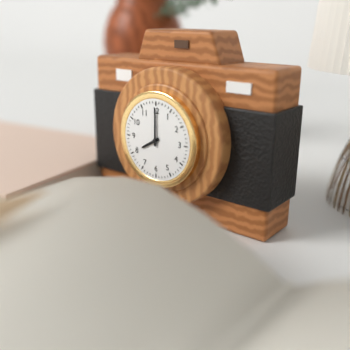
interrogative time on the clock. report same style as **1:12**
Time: **8:00**
